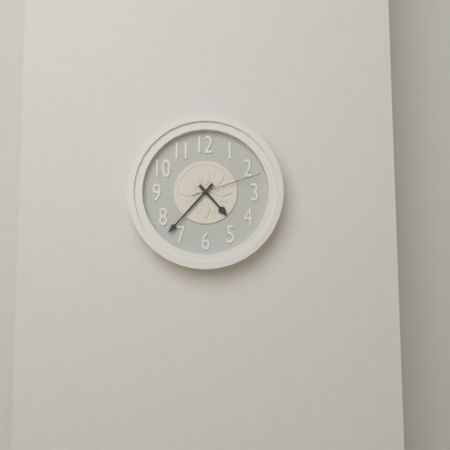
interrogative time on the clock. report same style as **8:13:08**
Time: **4:37:12**
